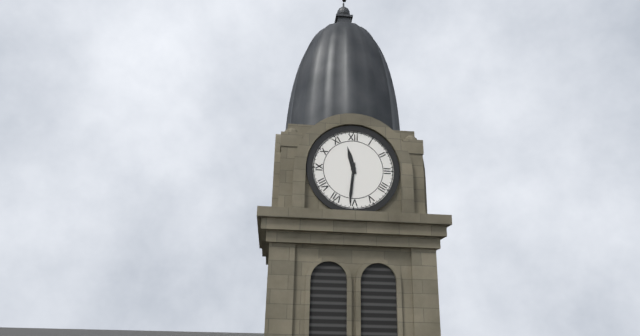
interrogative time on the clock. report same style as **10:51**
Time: **11:31**
